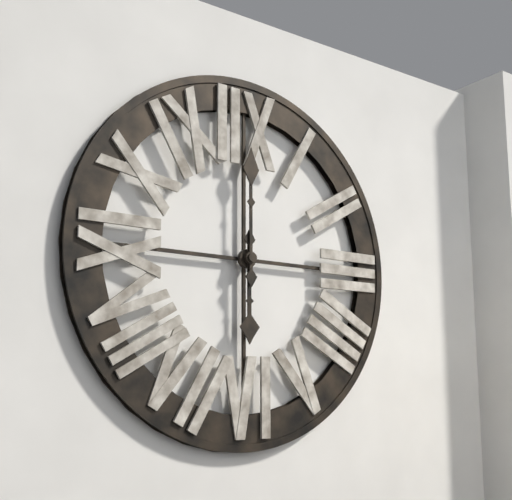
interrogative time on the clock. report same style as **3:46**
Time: **6:00**
